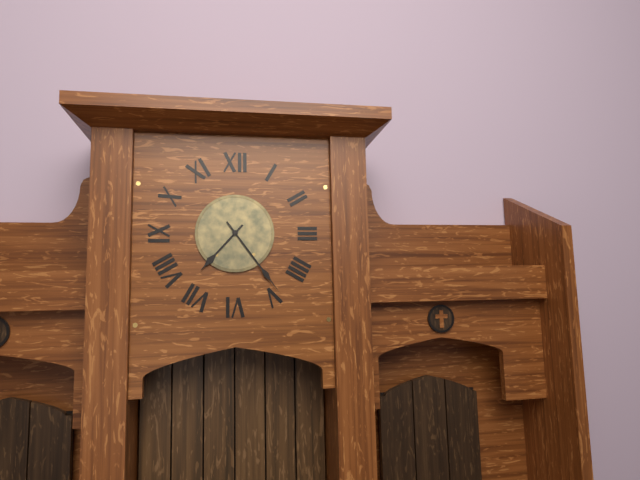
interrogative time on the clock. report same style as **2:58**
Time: **7:24**
